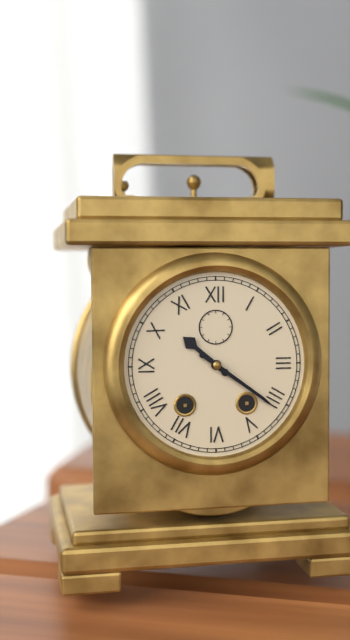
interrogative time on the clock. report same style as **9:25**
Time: **10:21**
